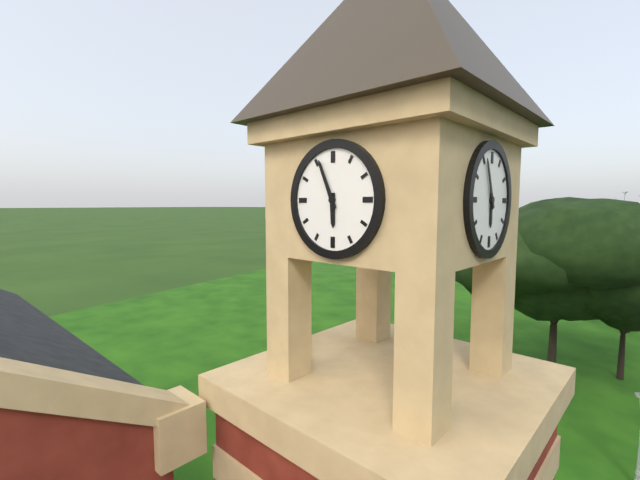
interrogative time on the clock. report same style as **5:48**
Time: **5:56**
